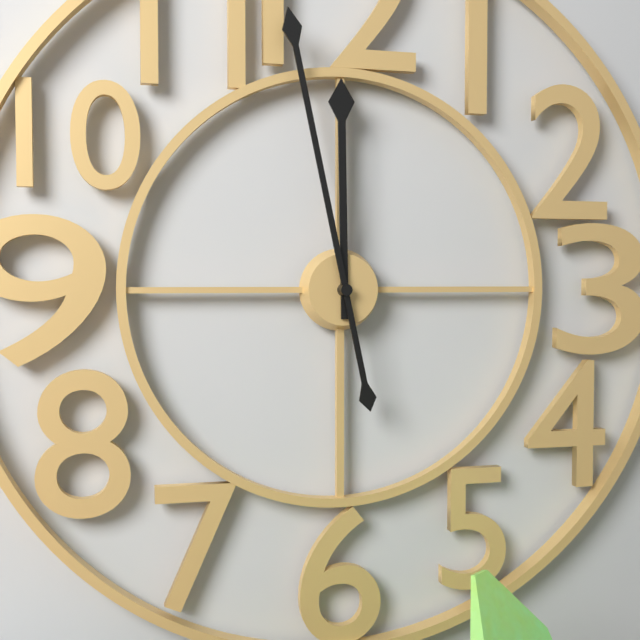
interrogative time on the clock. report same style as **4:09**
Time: **11:58**
